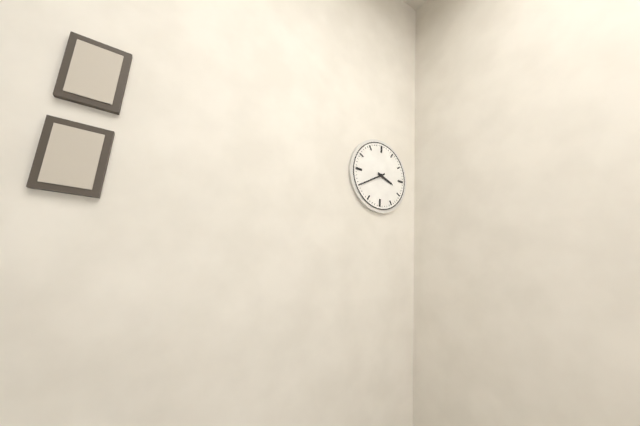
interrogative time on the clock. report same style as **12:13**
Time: **3:40**
